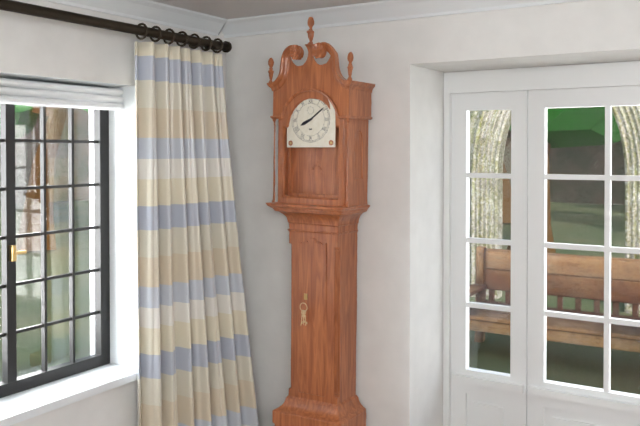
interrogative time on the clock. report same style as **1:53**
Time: **8:09**
